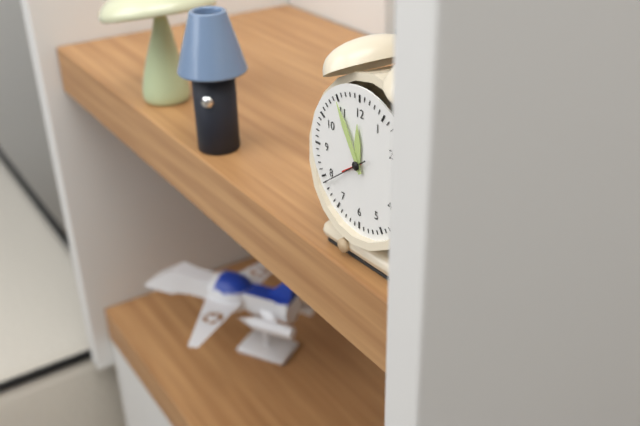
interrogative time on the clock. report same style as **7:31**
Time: **11:55**
